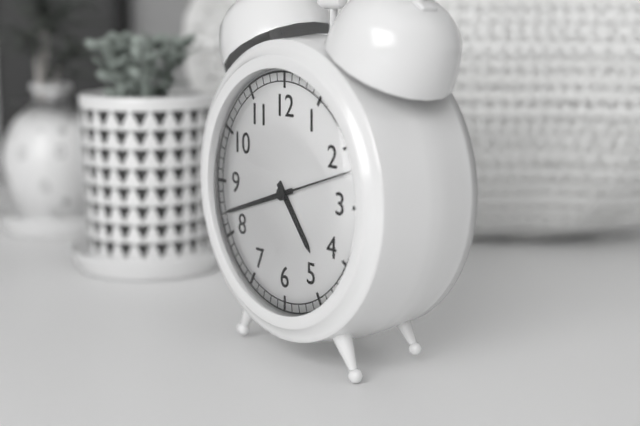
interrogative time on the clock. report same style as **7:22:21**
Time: **4:42:12**
